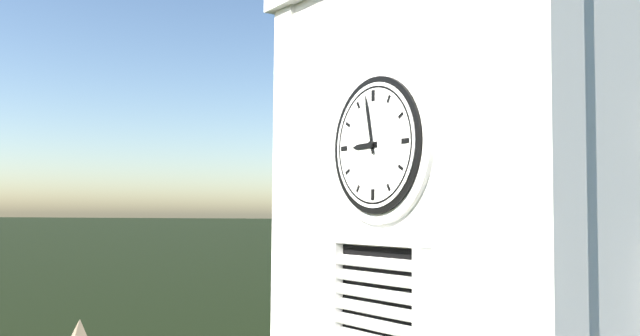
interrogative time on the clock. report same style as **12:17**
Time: **8:58**
